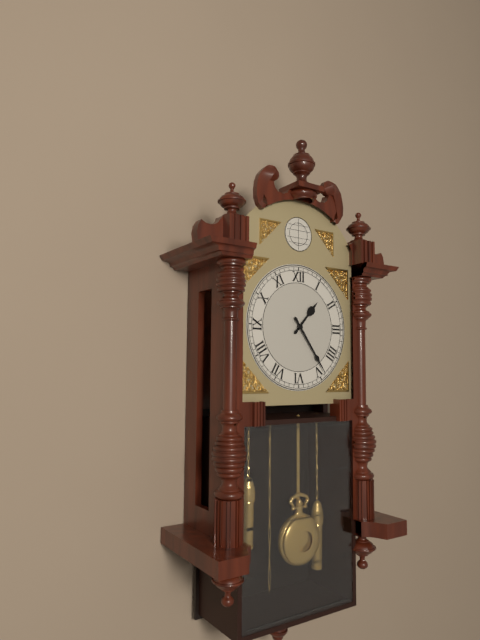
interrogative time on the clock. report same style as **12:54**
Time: **1:24**
